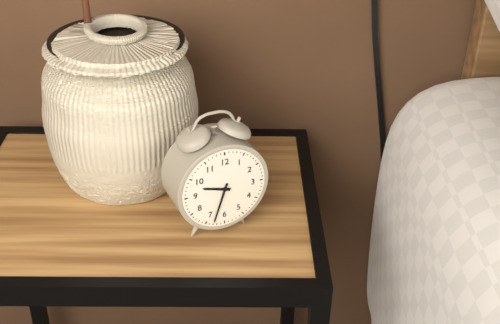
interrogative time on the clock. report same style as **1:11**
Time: **9:33**
